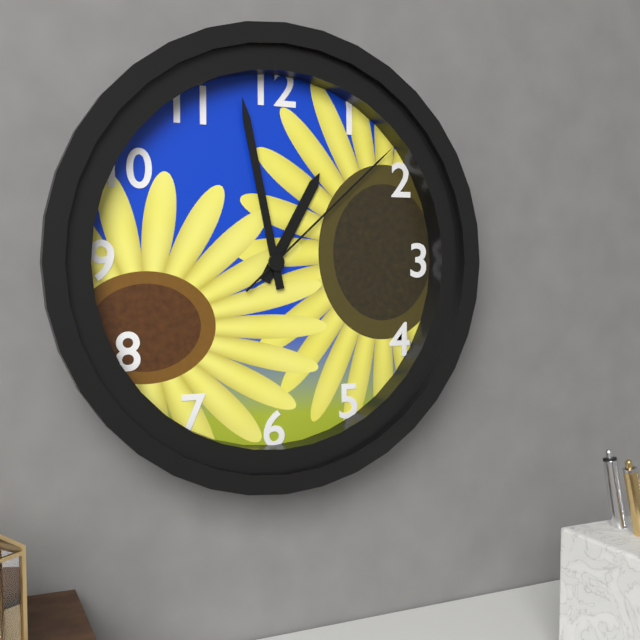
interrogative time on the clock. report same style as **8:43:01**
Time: **12:58:08**
